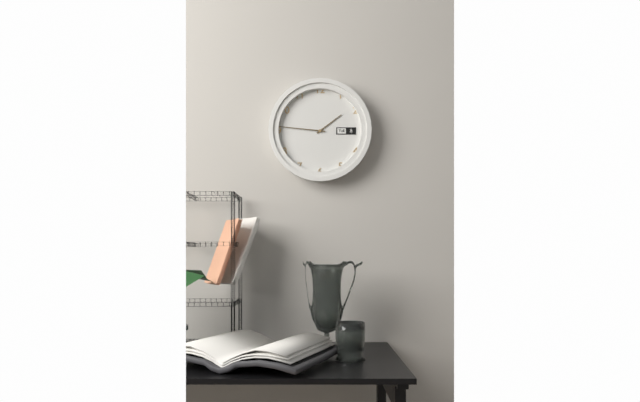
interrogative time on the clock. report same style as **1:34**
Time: **1:46**
